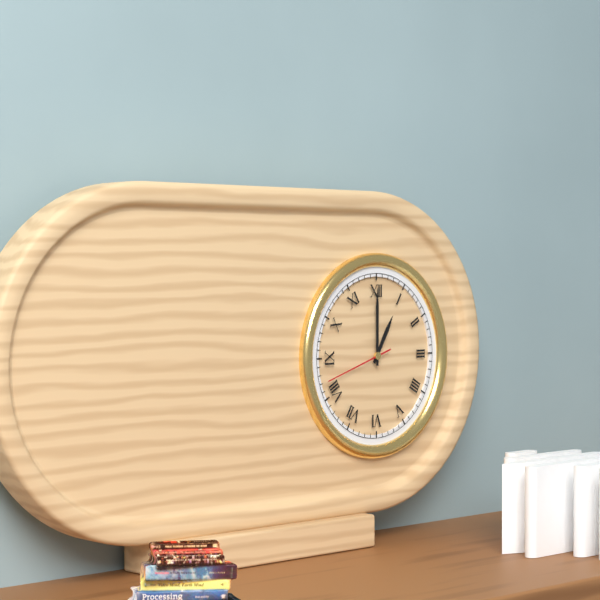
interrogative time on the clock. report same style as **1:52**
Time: **1:00**
